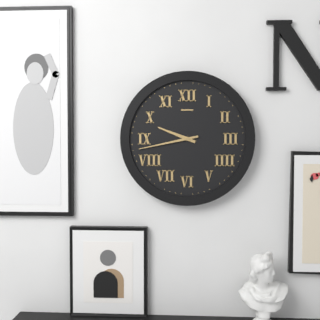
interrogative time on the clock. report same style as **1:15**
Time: **9:43**
